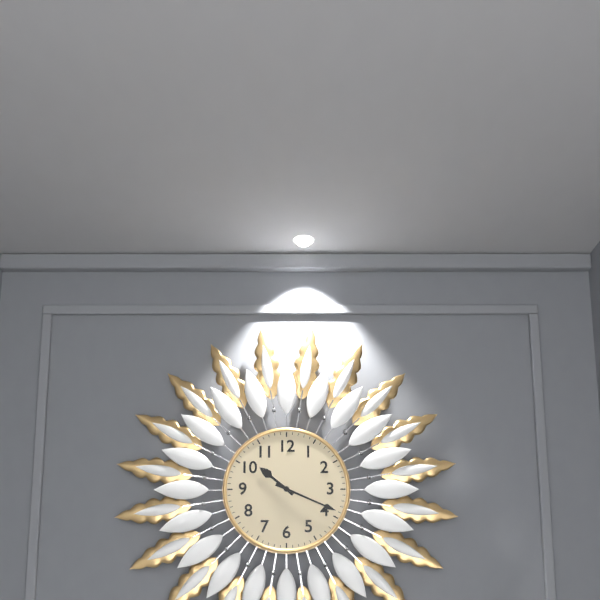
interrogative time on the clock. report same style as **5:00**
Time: **10:19**
